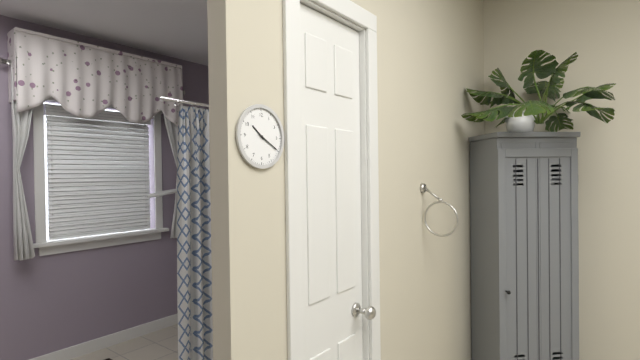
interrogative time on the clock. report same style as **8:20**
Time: **10:20**
